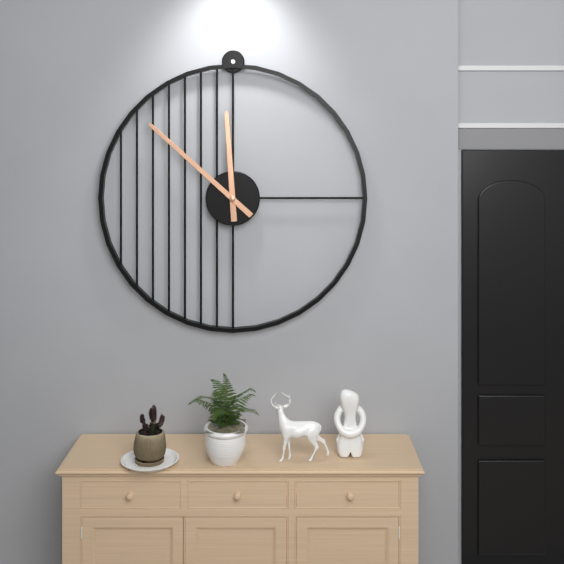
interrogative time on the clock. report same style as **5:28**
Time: **11:52**
